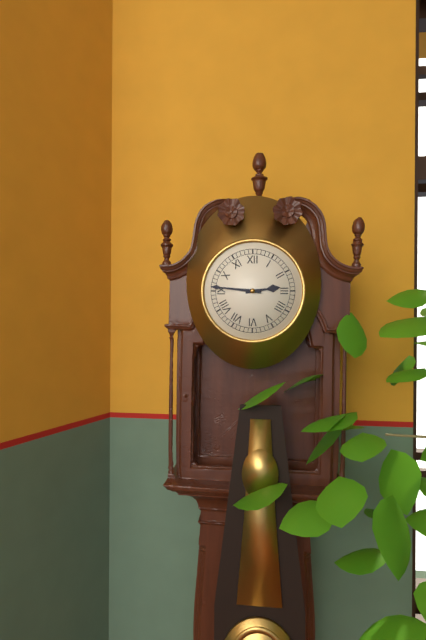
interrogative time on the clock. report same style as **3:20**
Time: **2:46**
